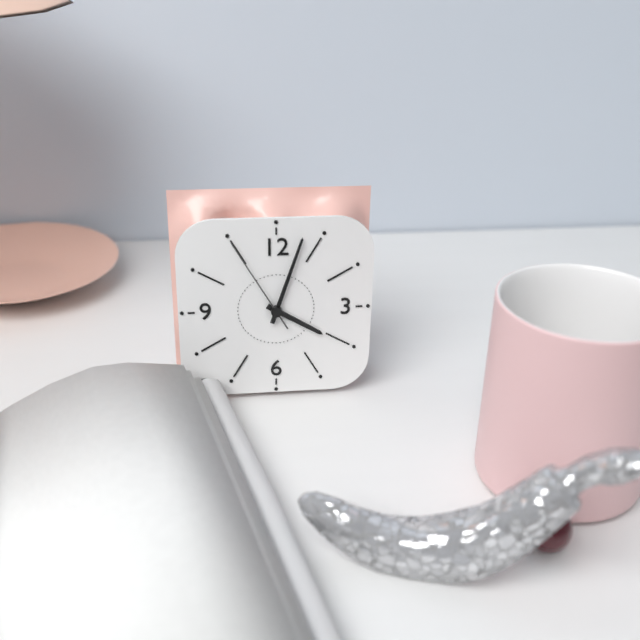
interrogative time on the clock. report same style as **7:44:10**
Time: **4:03:55**
